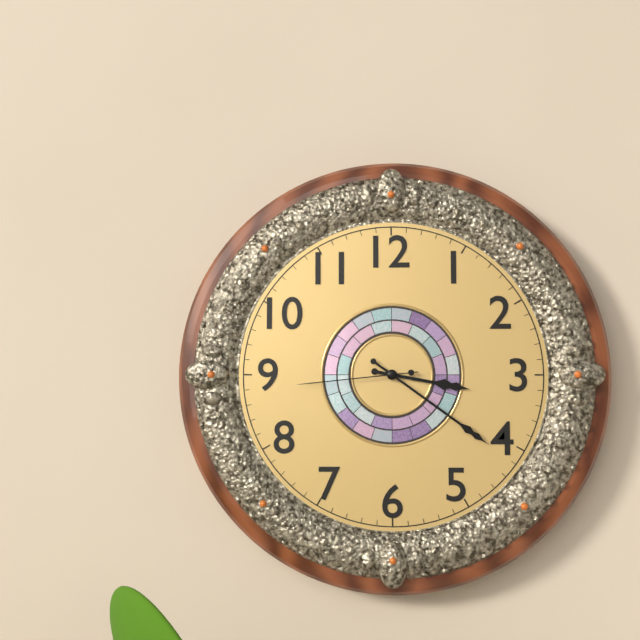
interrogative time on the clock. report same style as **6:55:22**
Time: **3:21:44**
